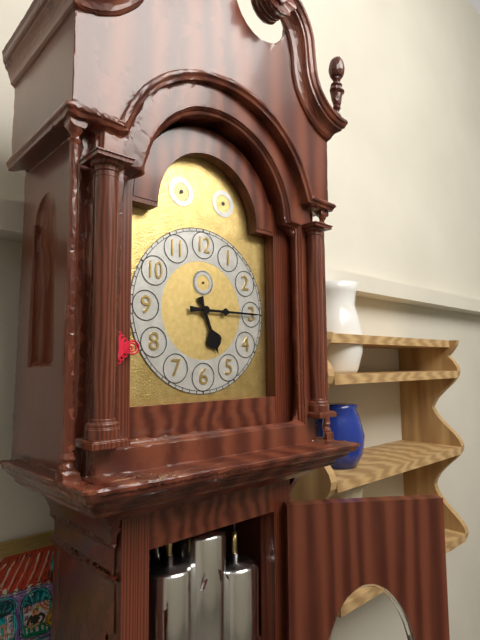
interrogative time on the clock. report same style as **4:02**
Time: **5:15**
